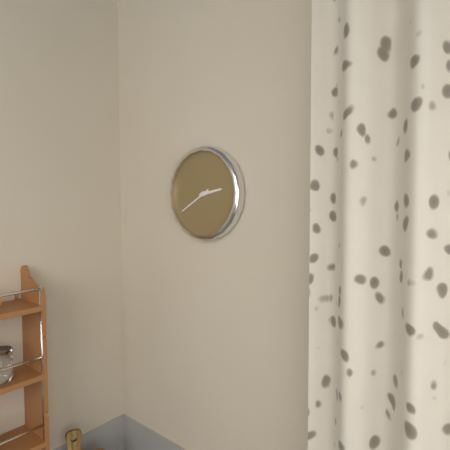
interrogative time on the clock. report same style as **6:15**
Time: **2:40**
